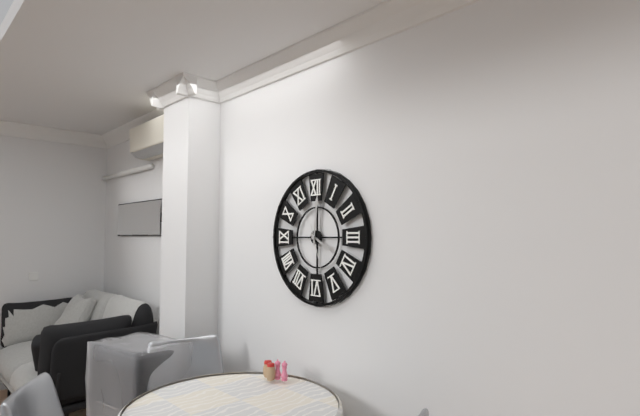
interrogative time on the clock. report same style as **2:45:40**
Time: **4:01:27**
